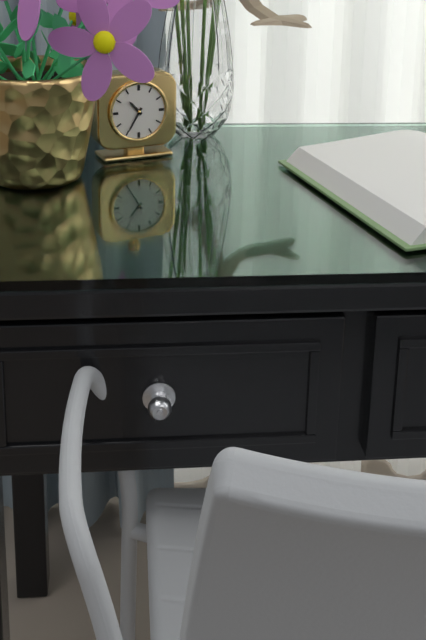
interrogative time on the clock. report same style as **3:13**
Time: **10:35**
